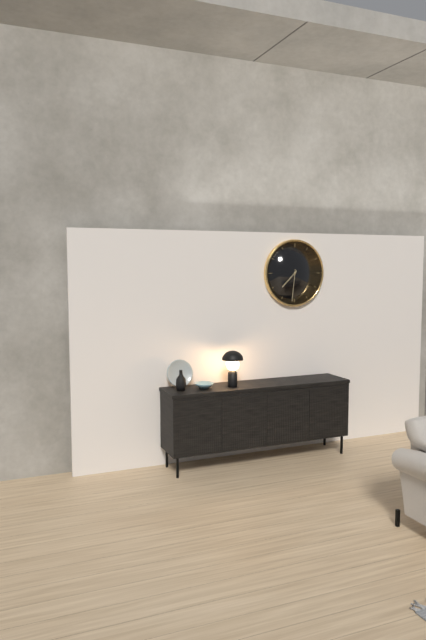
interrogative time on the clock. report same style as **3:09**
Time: **7:31**
